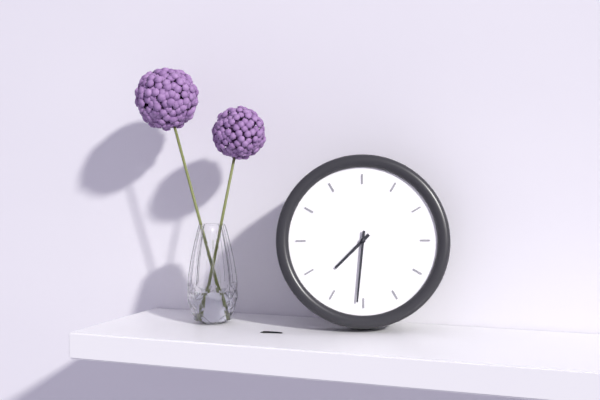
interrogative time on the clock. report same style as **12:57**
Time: **7:31**
